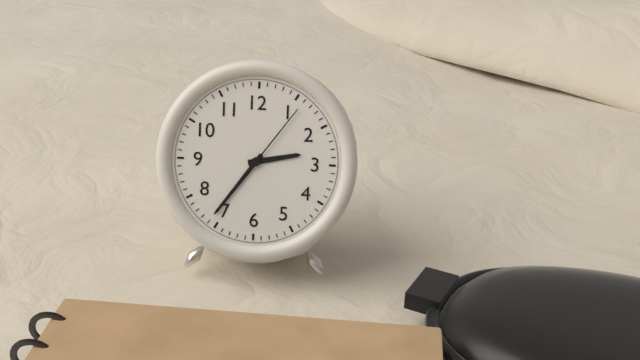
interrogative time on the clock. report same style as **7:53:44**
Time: **2:36:06**
